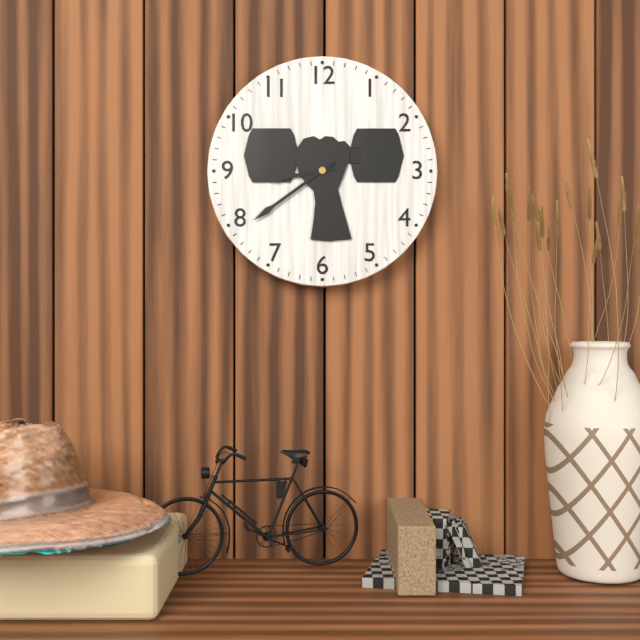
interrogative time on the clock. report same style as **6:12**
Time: **8:39**
